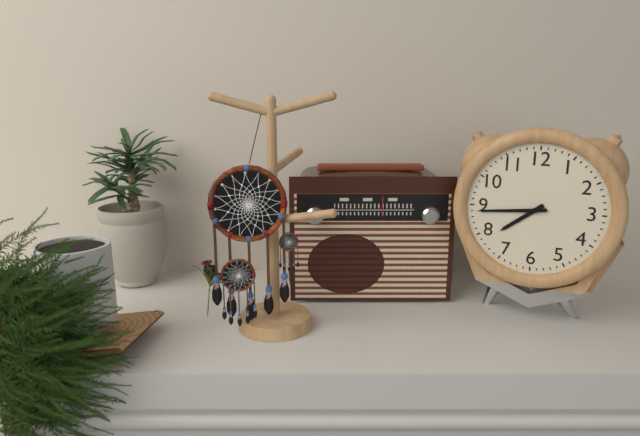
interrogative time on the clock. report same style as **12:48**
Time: **7:44**
